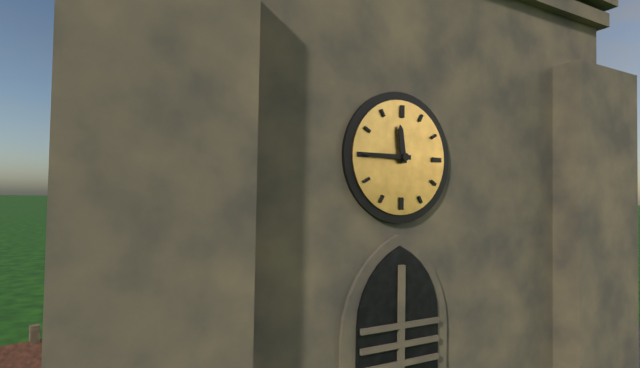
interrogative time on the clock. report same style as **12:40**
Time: **11:45**
